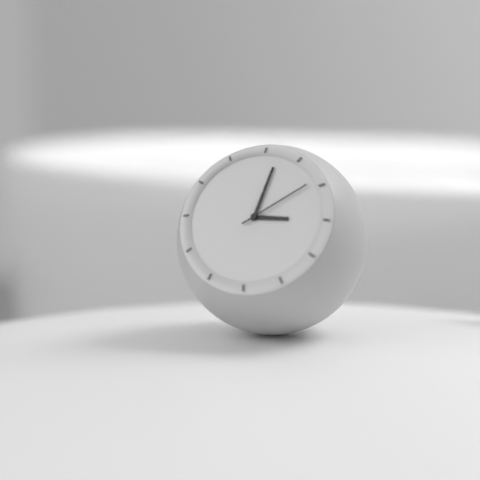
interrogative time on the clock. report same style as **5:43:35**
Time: **3:02:09**
